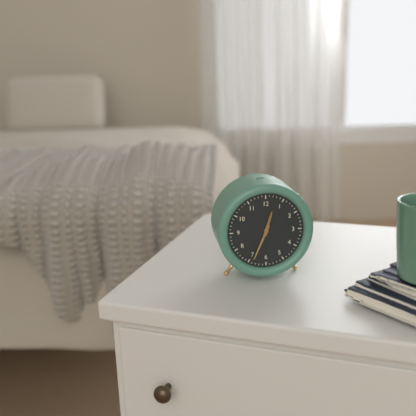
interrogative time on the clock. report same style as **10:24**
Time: **12:34**
